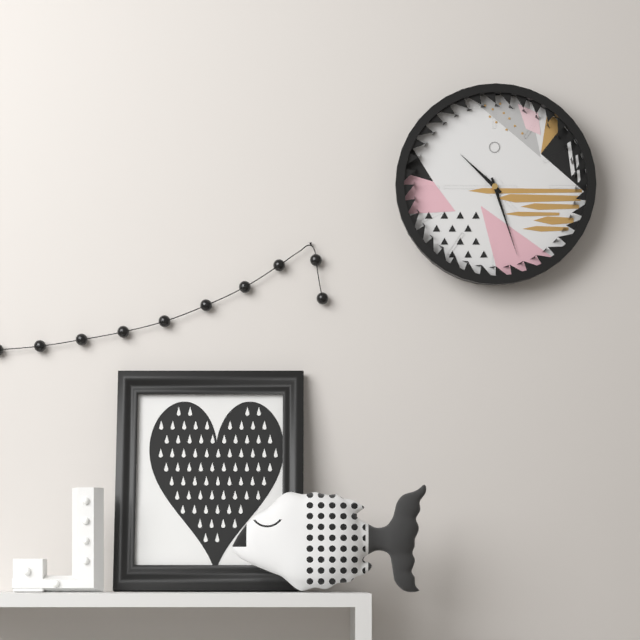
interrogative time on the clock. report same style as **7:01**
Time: **10:27**
